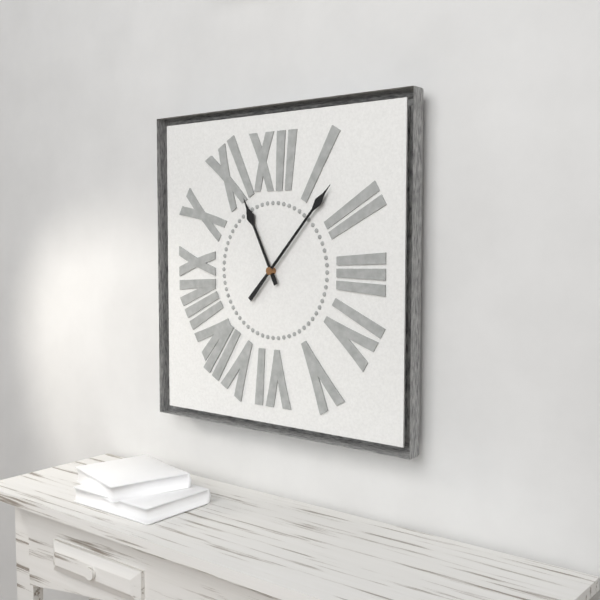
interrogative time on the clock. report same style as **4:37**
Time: **11:07**
